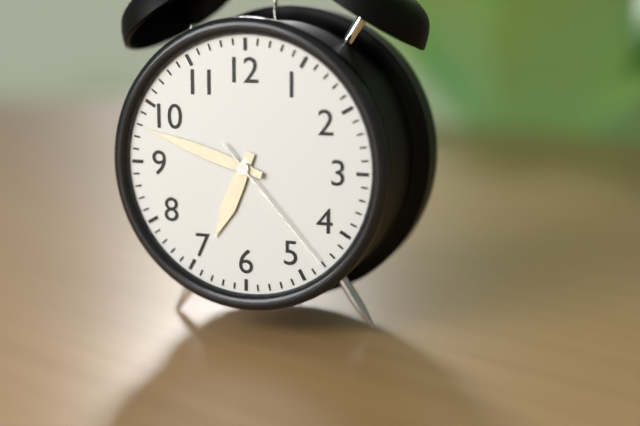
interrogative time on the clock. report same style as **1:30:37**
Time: **6:48:23**
